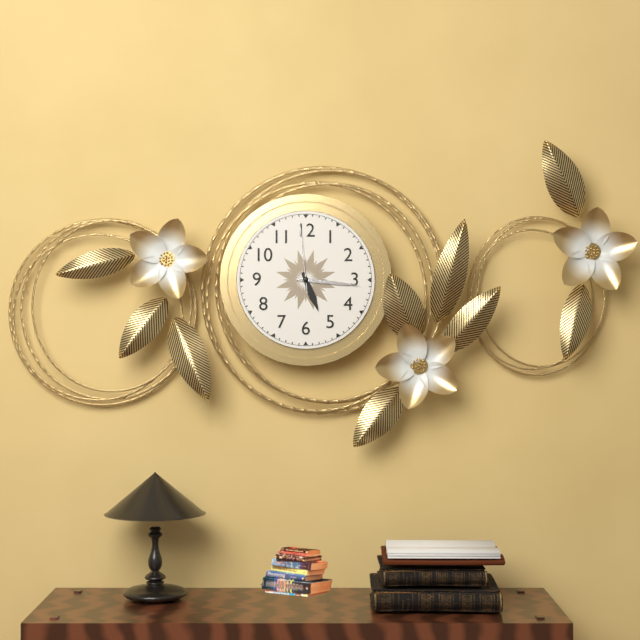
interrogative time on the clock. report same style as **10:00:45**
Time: **5:16:59**
